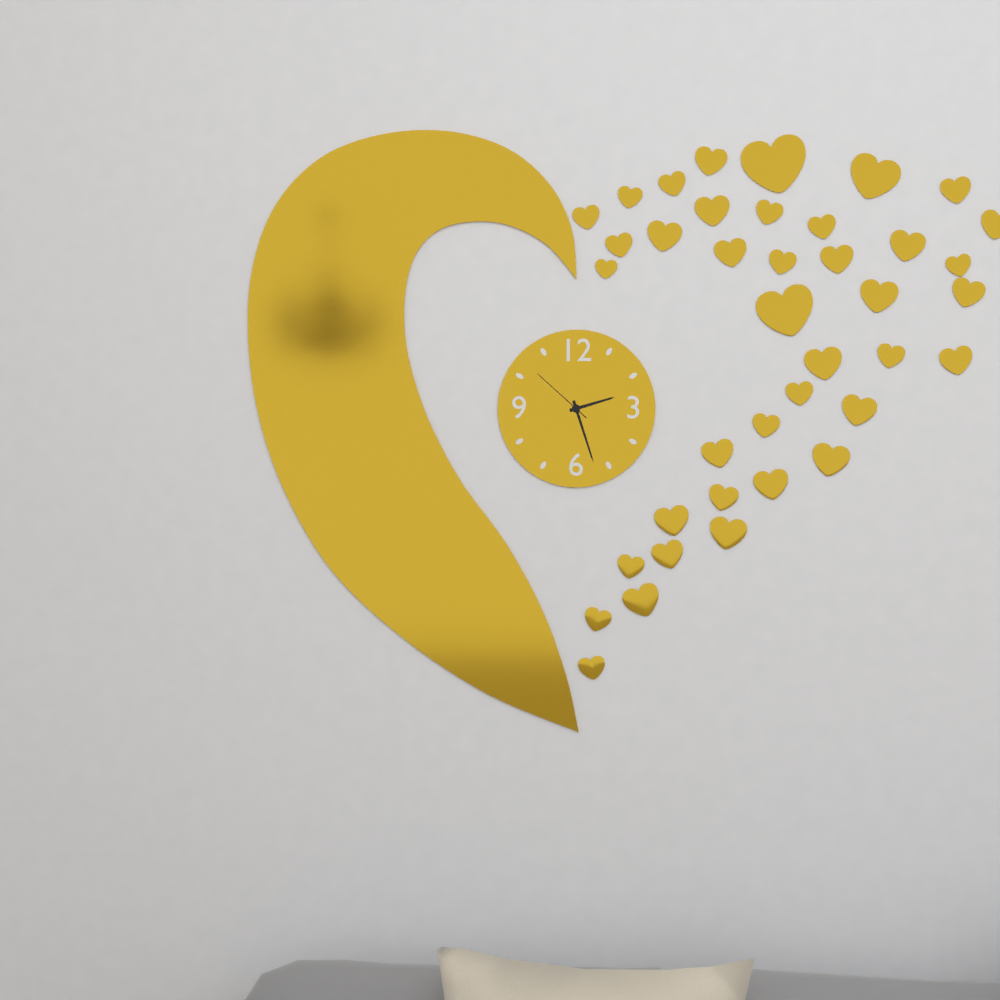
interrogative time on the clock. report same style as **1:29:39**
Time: **2:27:52**
